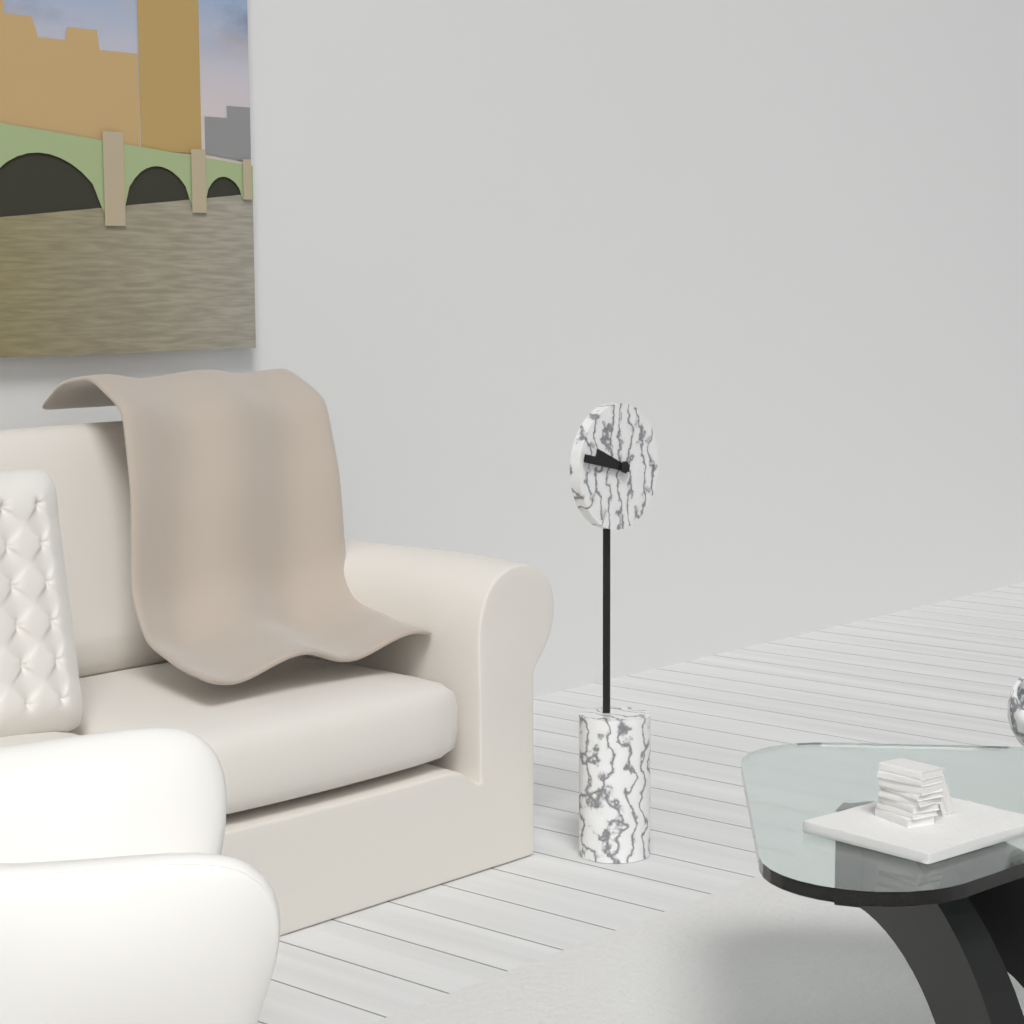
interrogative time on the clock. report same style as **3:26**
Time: **9:47**
